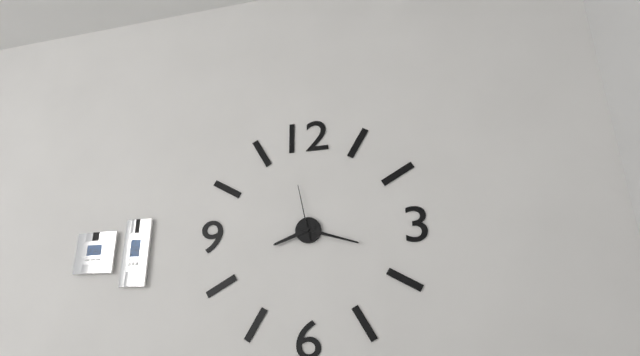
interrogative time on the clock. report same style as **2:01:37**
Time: **8:18:58**
